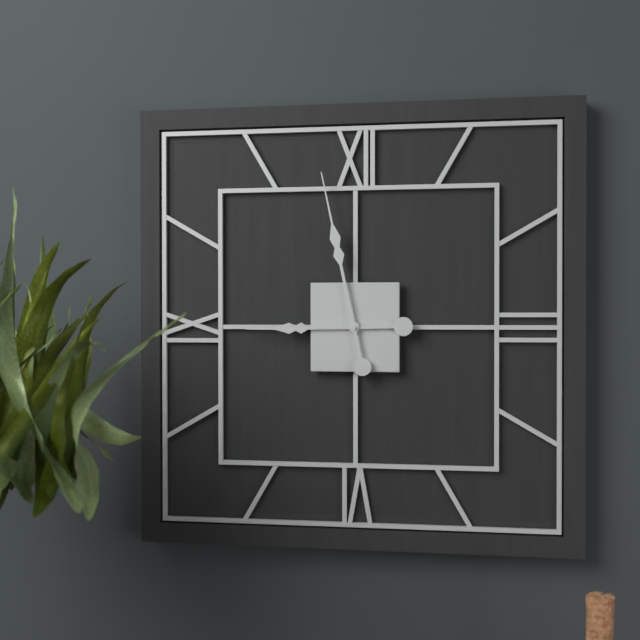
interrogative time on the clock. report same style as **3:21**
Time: **8:58**
